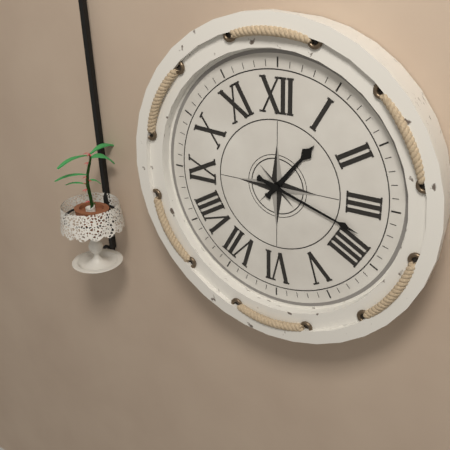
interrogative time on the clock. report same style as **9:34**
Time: **1:18**
